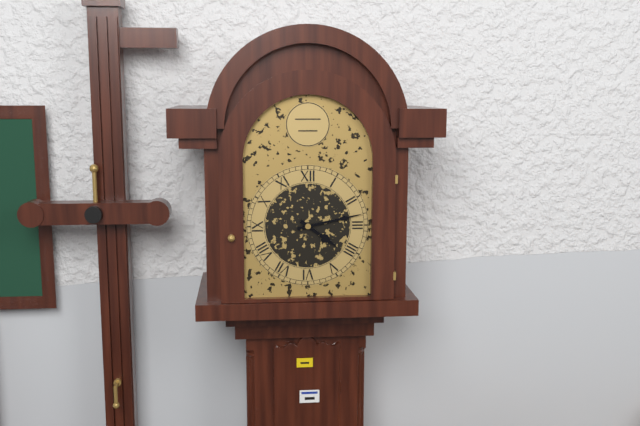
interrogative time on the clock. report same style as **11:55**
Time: **4:13**
